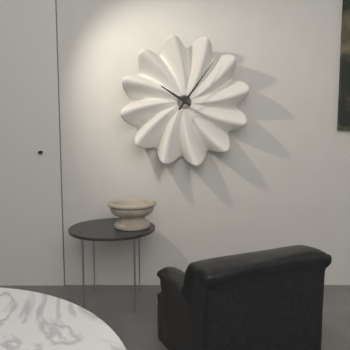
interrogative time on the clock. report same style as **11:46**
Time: **10:06**
